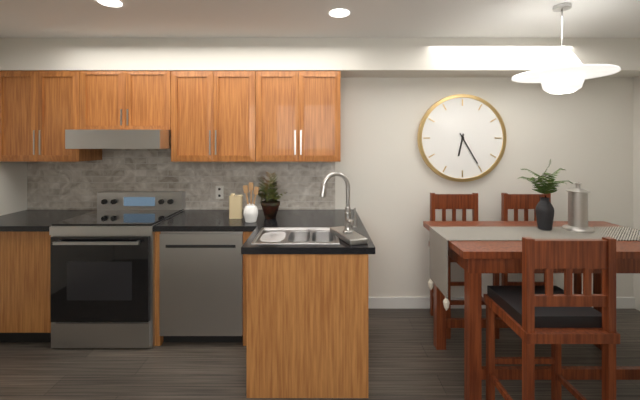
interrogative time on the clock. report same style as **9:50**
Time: **6:25**
